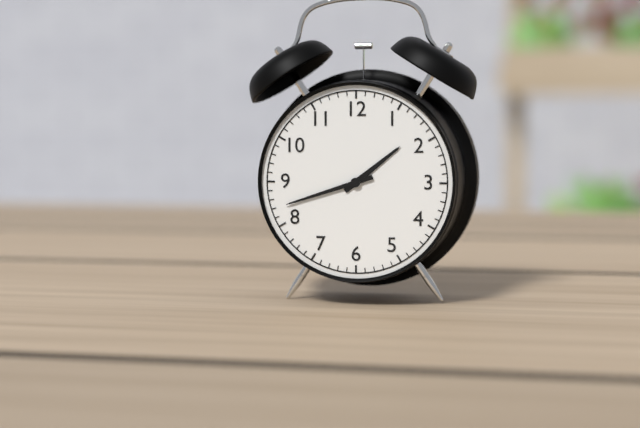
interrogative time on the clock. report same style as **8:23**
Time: **1:42**
